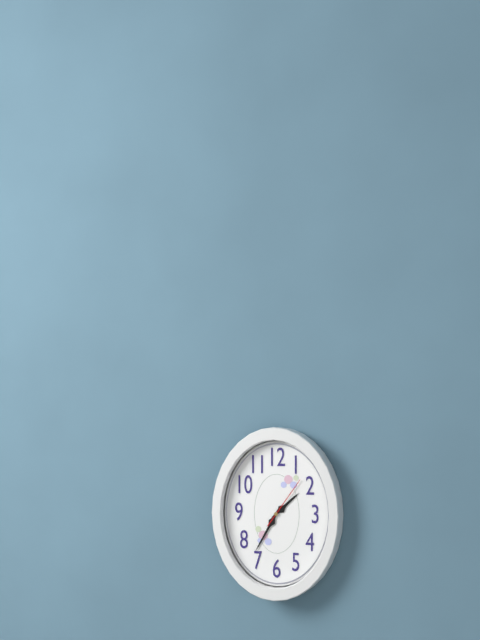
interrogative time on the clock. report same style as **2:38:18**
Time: **1:35:06**
